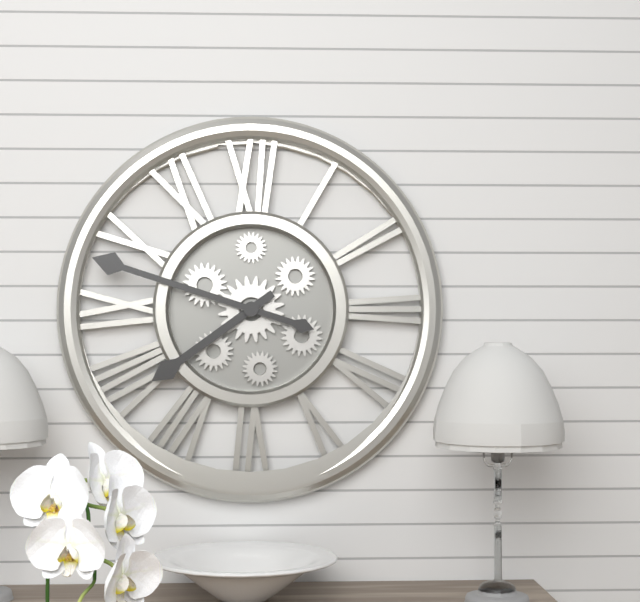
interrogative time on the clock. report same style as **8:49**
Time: **7:48**
